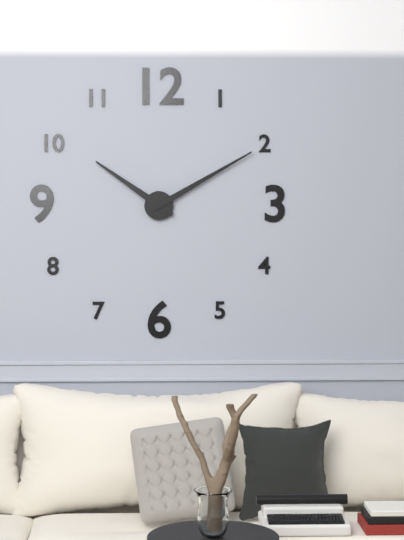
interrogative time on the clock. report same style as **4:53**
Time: **10:10**
